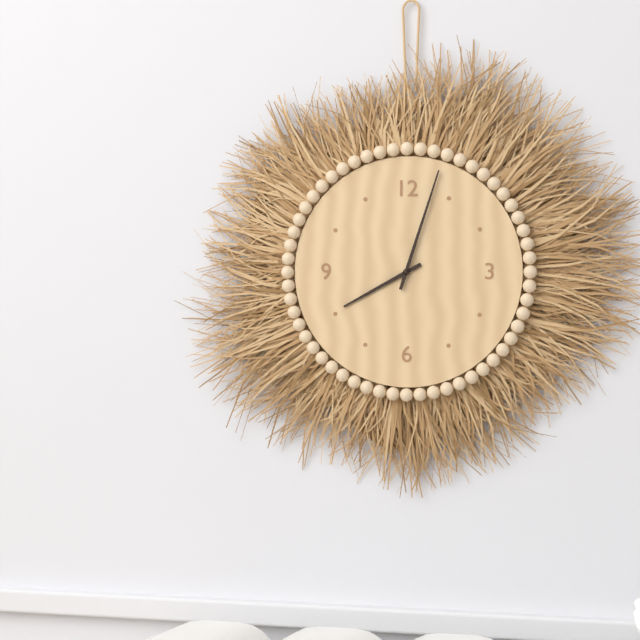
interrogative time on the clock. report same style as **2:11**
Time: **8:03**
